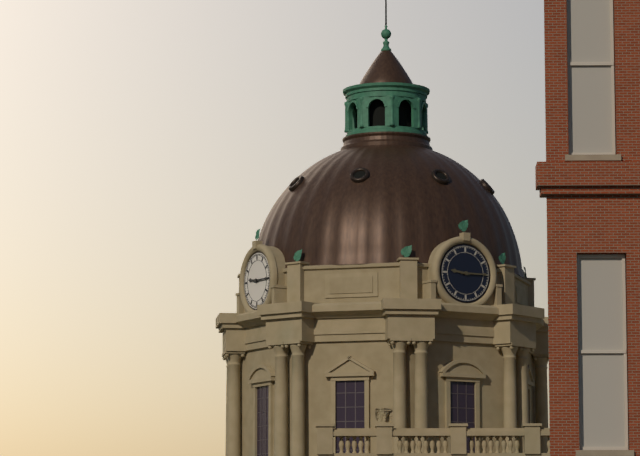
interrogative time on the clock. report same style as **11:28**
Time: **9:15**
